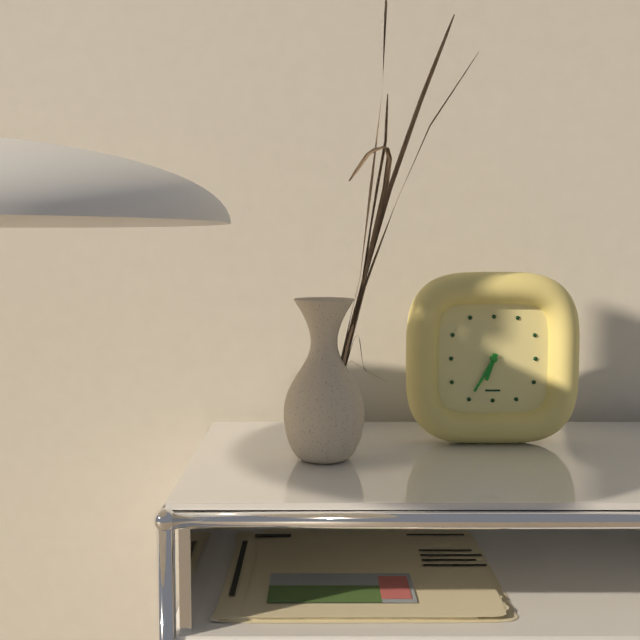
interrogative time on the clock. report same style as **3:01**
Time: **6:35**
